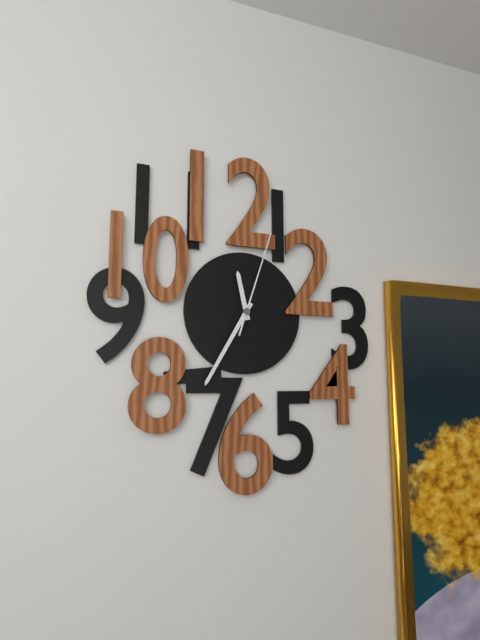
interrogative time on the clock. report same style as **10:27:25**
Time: **11:35:03**
